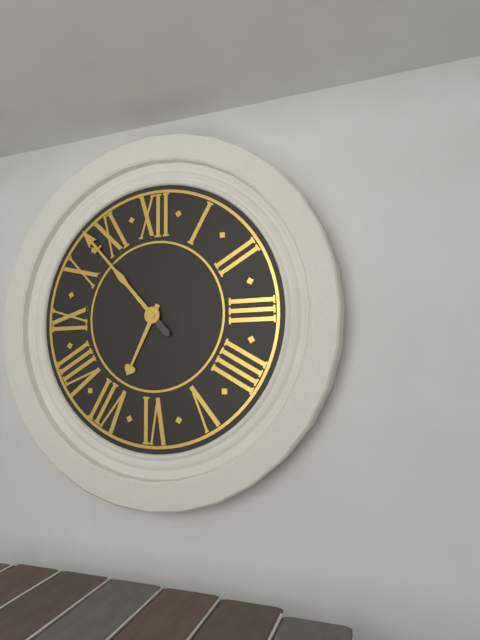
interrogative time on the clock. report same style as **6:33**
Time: **6:53**
